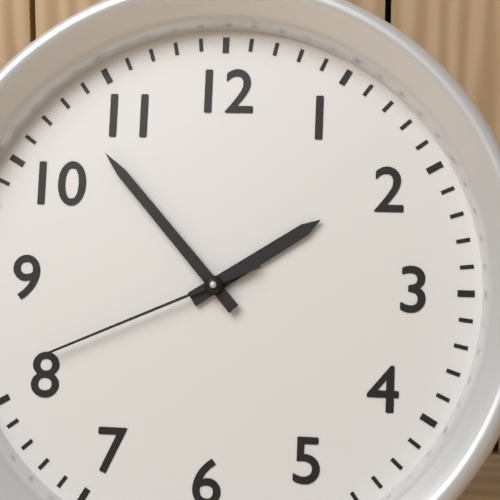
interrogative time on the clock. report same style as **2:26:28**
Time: **1:53:41**
